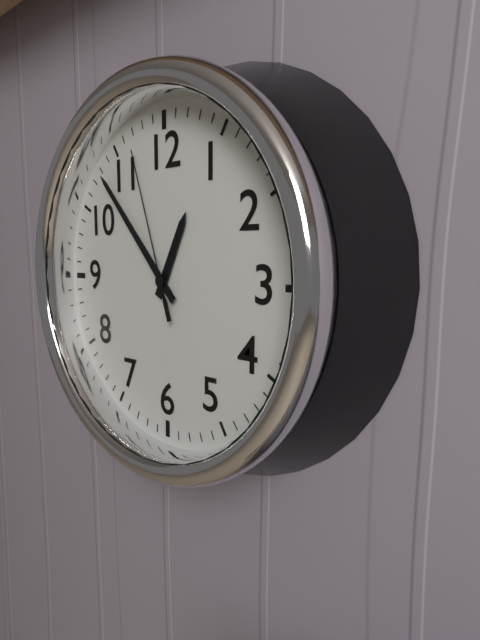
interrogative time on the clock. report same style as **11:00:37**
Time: **12:53:57**
